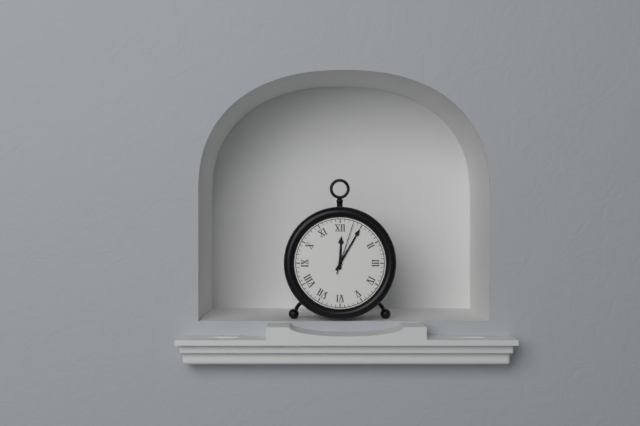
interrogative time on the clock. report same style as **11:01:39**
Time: **12:05:03**
